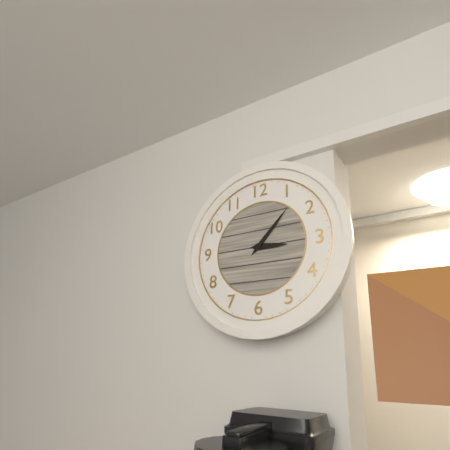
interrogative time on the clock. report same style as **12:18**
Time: **3:07**
